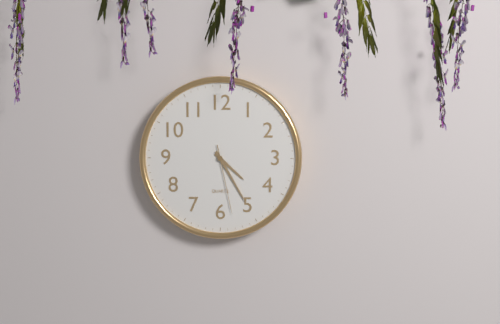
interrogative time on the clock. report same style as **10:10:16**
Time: **4:25:28**
